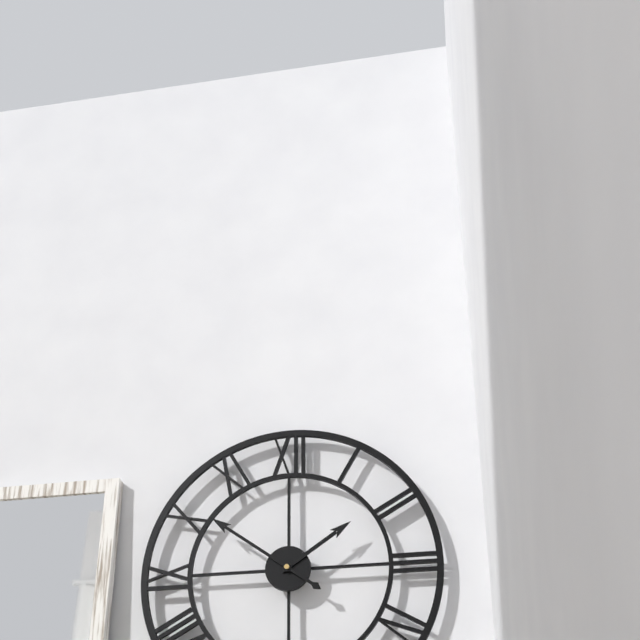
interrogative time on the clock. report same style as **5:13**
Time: **1:51**
